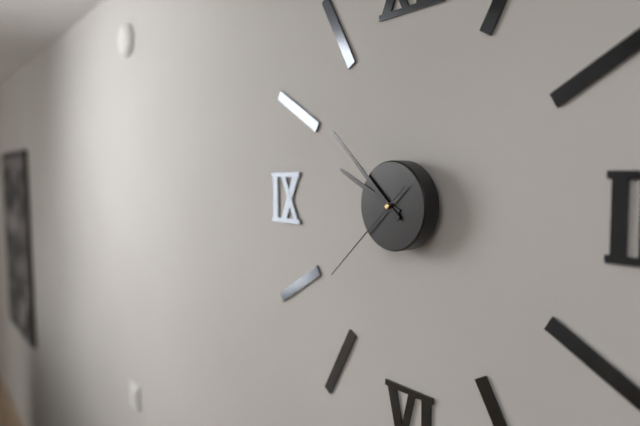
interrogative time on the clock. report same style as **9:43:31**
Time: **9:52:38**
